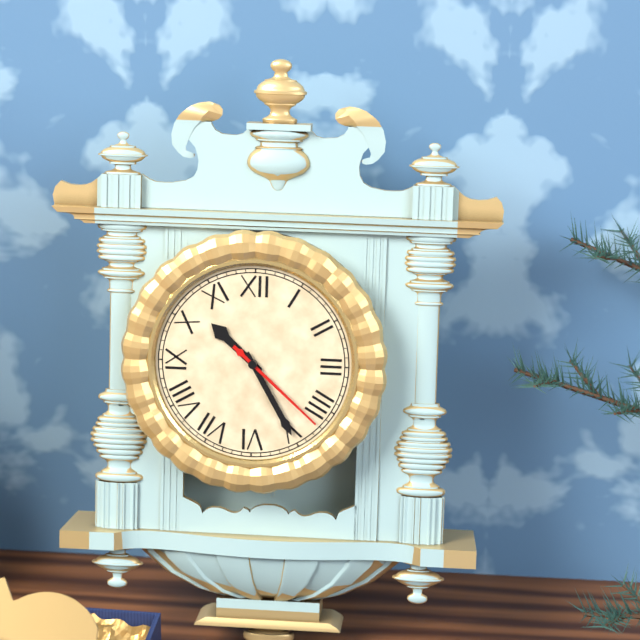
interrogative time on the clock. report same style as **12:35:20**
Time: **10:25:22**
